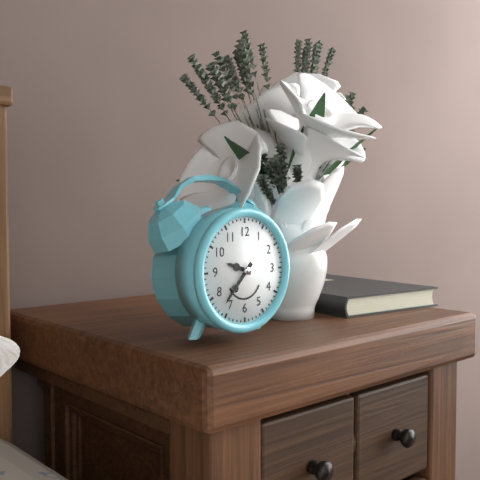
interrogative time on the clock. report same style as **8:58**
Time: **9:37**
